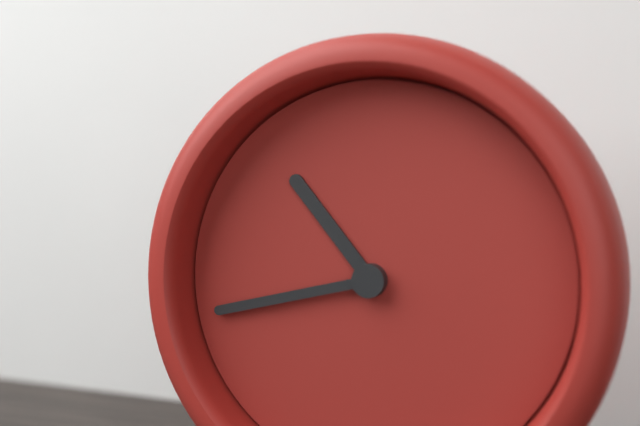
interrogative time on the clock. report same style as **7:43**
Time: **10:43**
